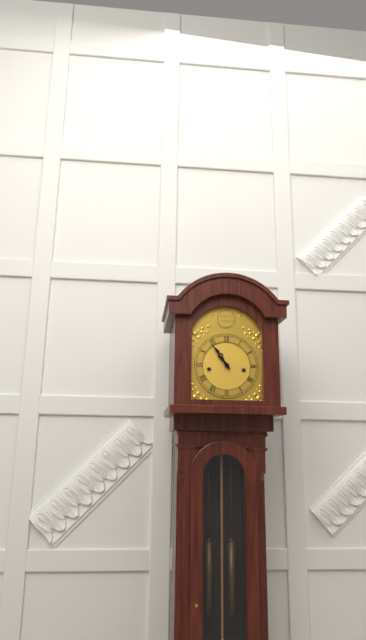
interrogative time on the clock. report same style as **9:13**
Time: **10:54**
